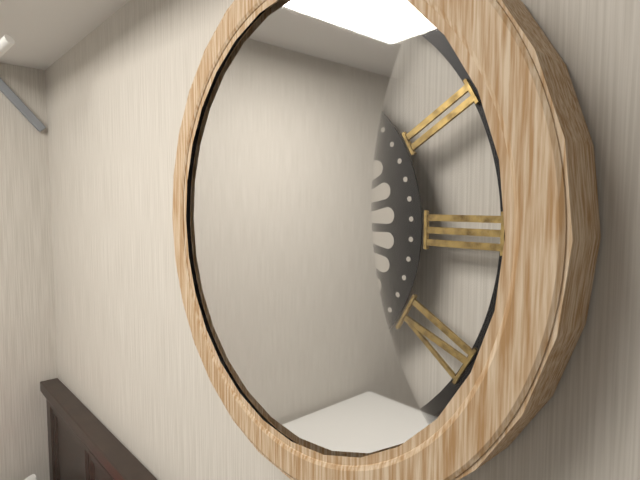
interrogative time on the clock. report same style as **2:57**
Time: **8:40**
